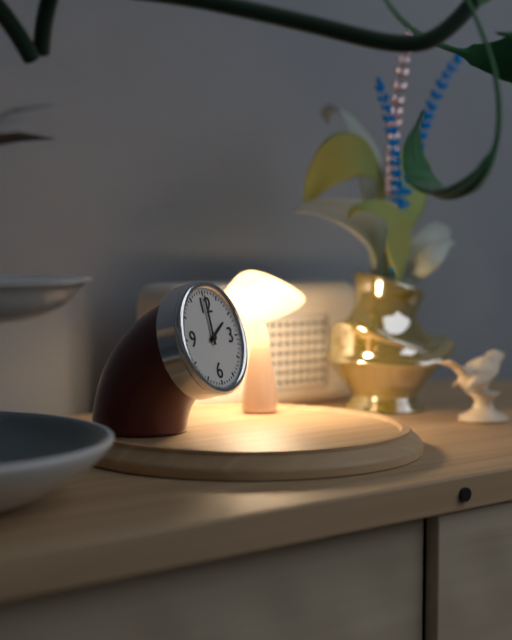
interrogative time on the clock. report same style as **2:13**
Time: **2:00**
